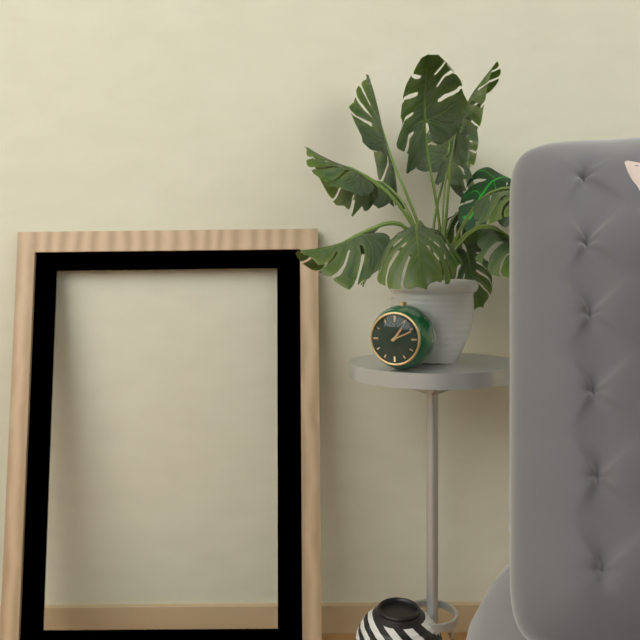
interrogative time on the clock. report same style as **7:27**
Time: **1:11**
